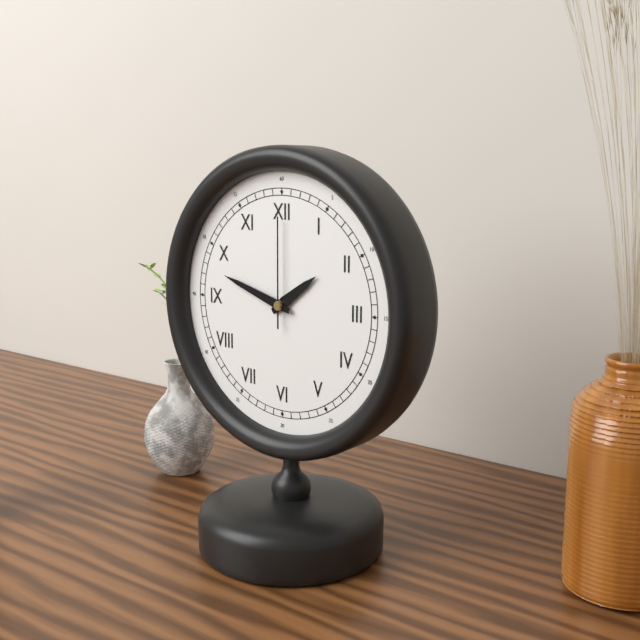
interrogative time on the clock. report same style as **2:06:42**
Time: **1:48:00**
